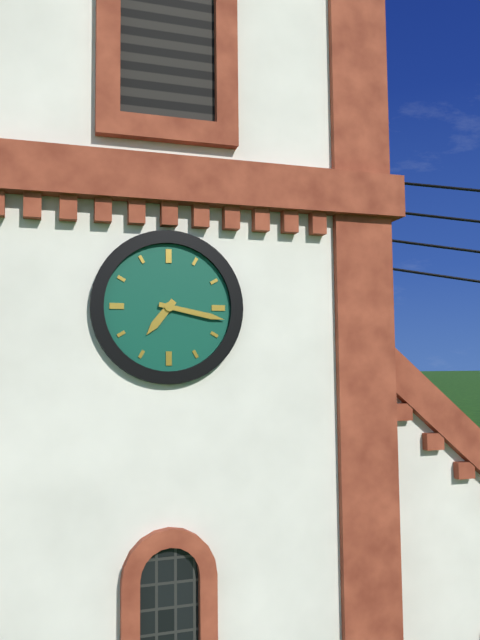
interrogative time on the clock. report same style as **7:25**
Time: **7:17**
